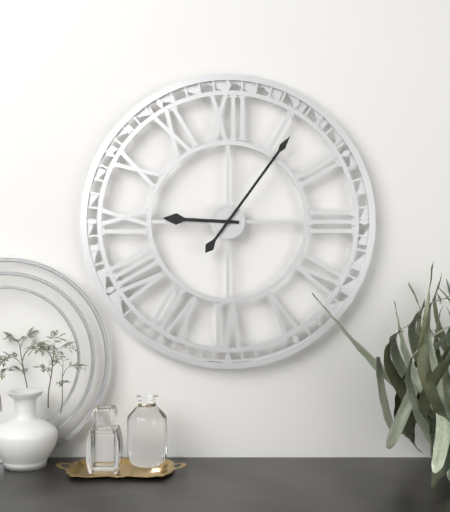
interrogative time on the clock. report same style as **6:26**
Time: **9:06**
